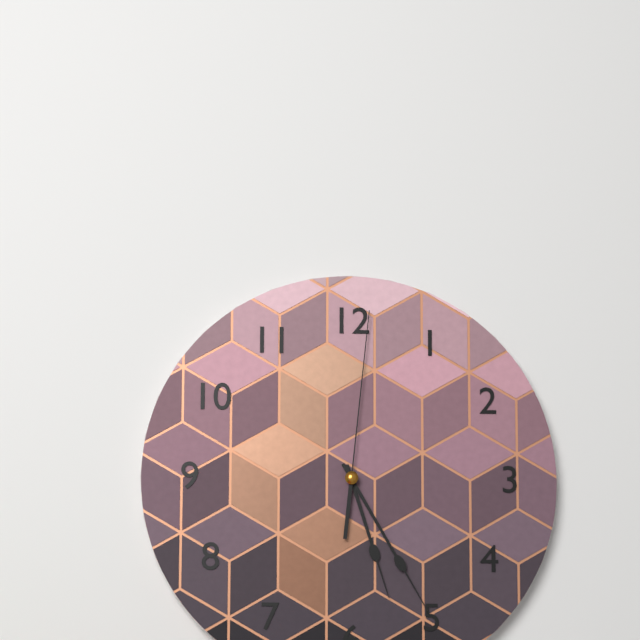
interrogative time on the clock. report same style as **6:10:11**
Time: **5:25:01**
